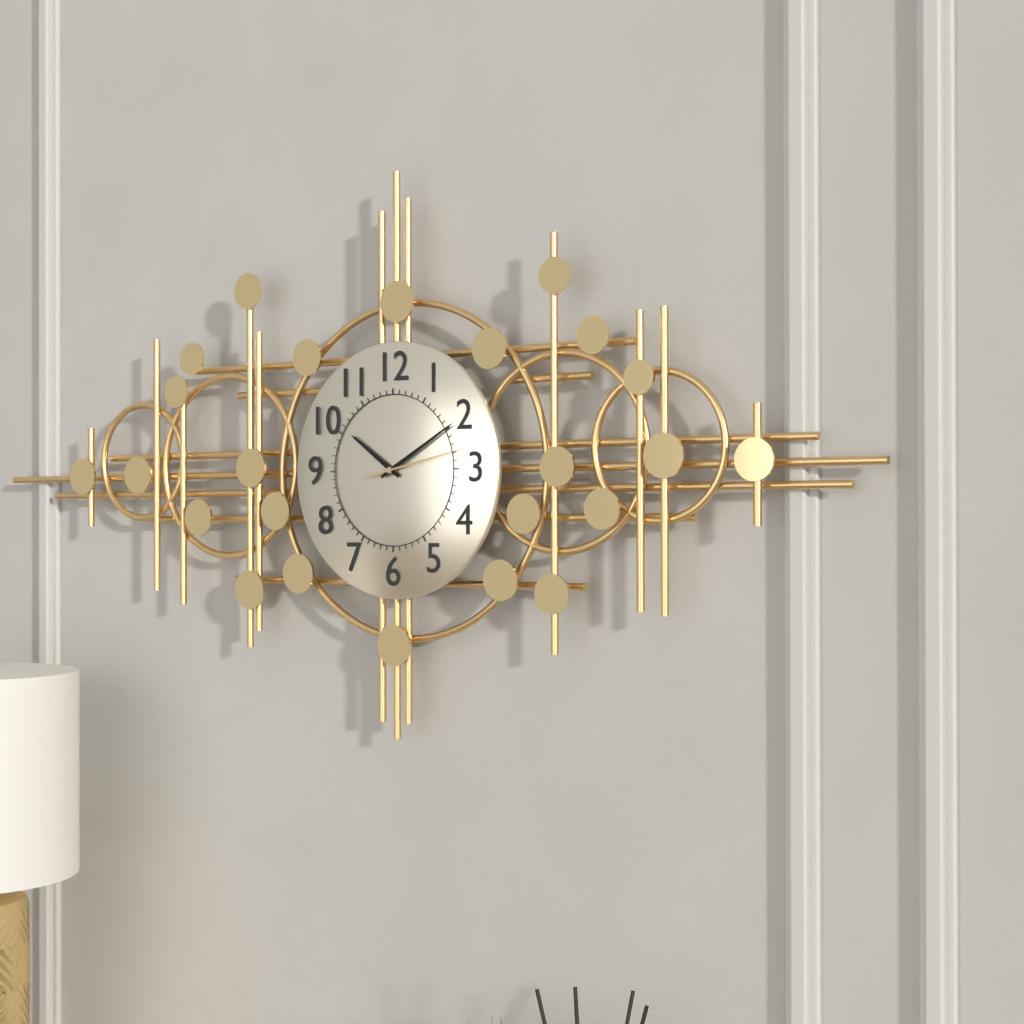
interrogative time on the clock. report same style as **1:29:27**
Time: **10:10:13**
